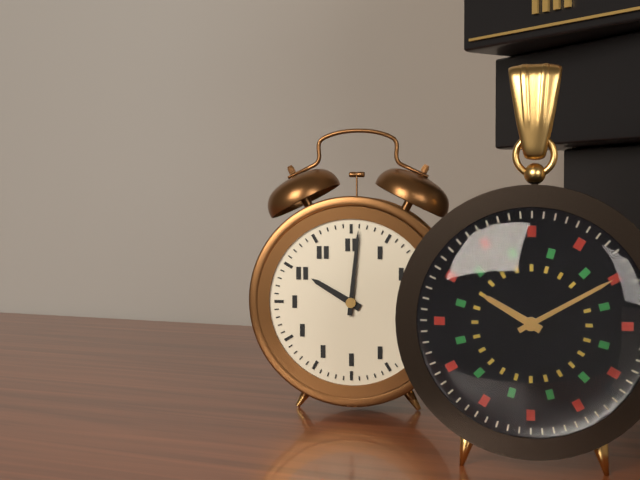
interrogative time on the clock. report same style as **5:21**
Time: **10:01**
